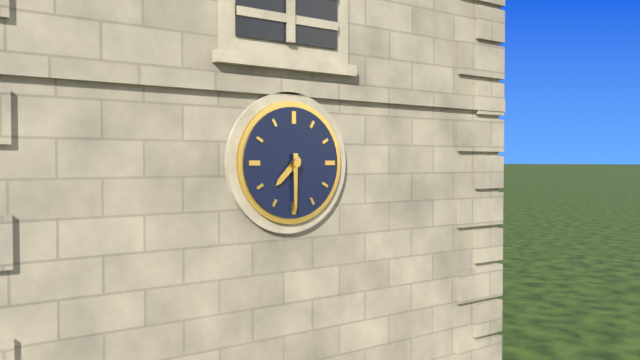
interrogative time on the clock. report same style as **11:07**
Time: **7:30**
